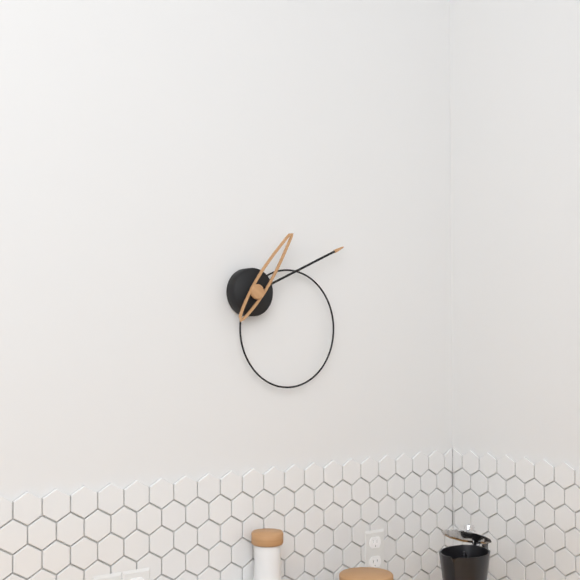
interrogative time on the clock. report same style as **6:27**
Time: **1:11**
